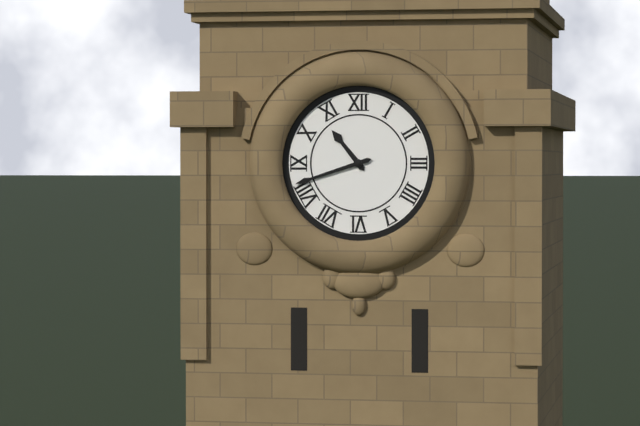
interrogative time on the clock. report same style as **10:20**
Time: **10:42**
